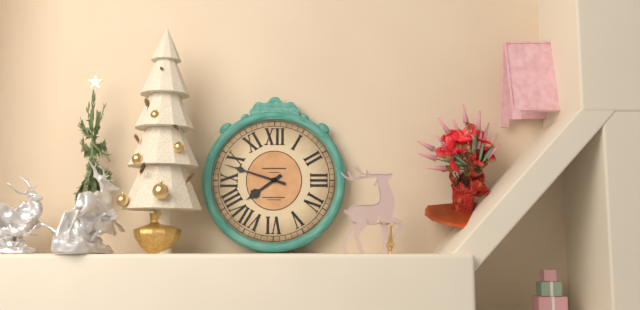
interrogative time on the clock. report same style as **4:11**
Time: **7:48**
